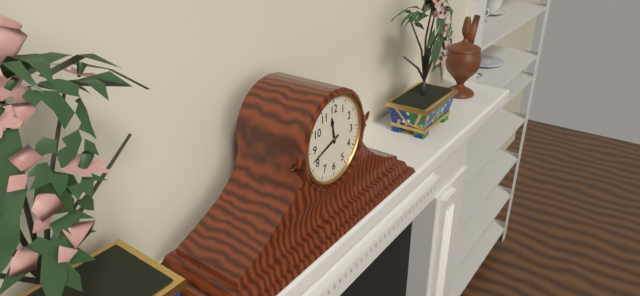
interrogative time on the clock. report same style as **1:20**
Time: **11:42**
